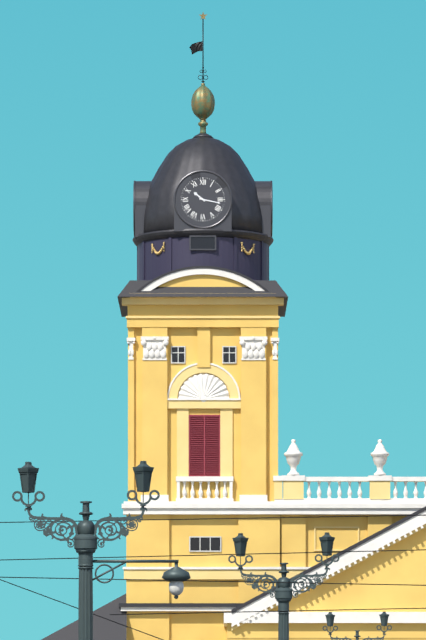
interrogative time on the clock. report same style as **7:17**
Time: **10:17**
